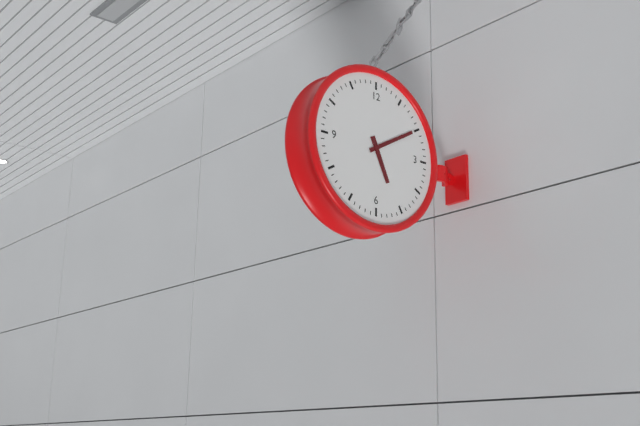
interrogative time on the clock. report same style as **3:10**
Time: **5:10**
